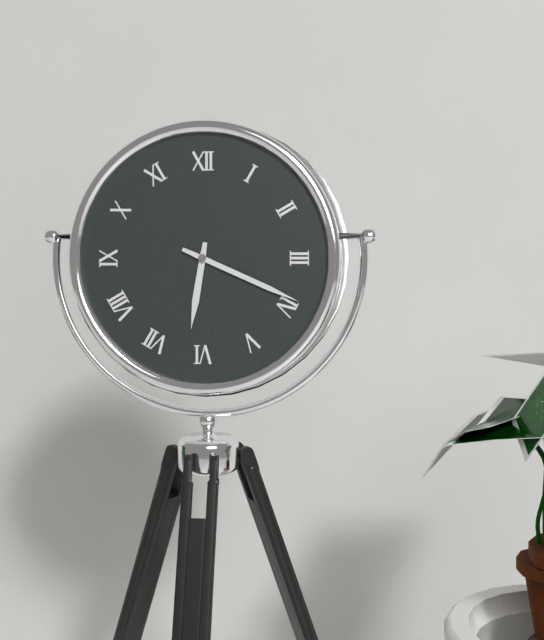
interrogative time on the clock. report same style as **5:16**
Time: **6:19**
